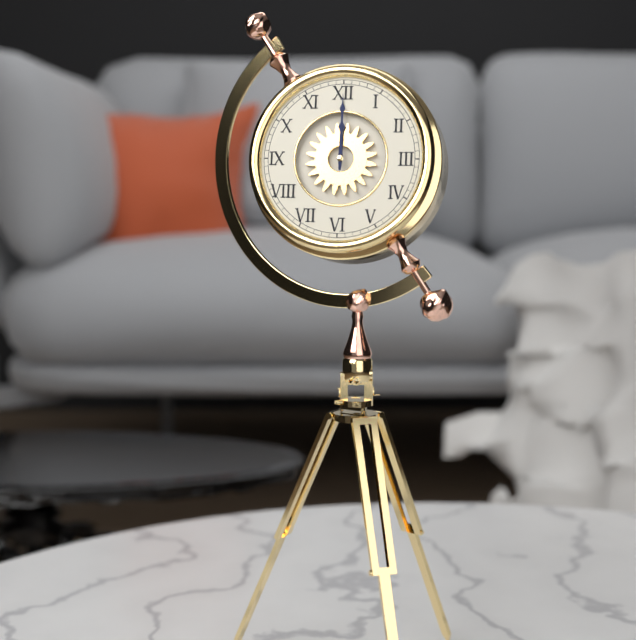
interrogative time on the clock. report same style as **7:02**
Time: **12:00**
